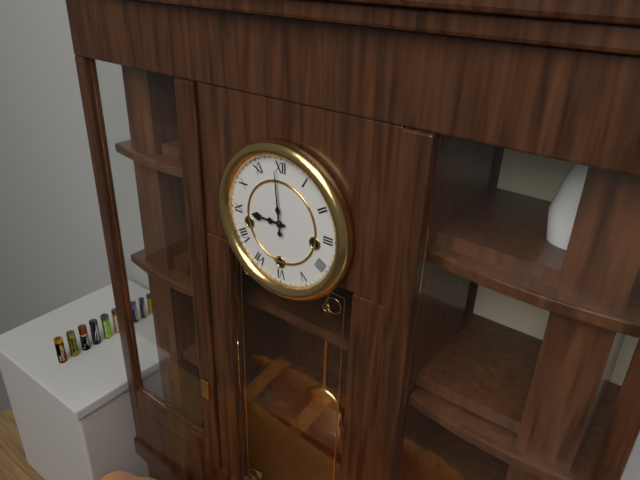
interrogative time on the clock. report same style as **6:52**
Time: **8:59**
